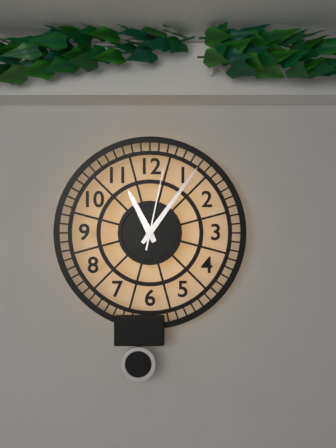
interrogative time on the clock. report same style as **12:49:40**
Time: **11:06:02**
